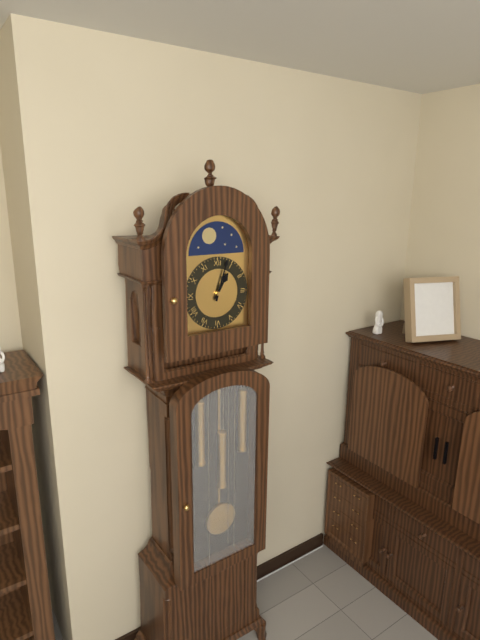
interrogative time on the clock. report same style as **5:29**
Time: **1:03**
